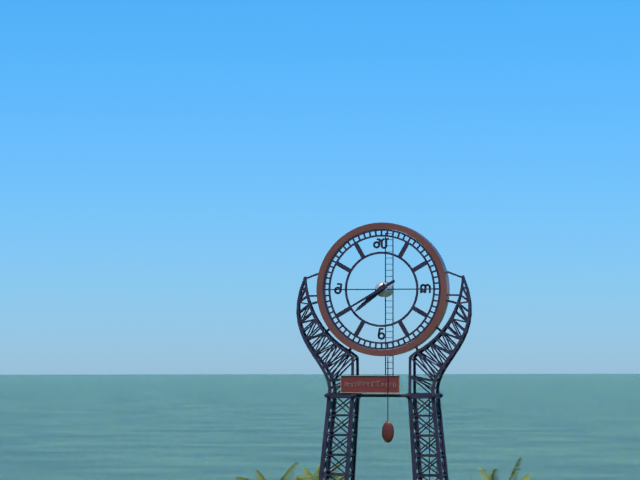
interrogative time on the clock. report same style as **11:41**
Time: **7:40**
